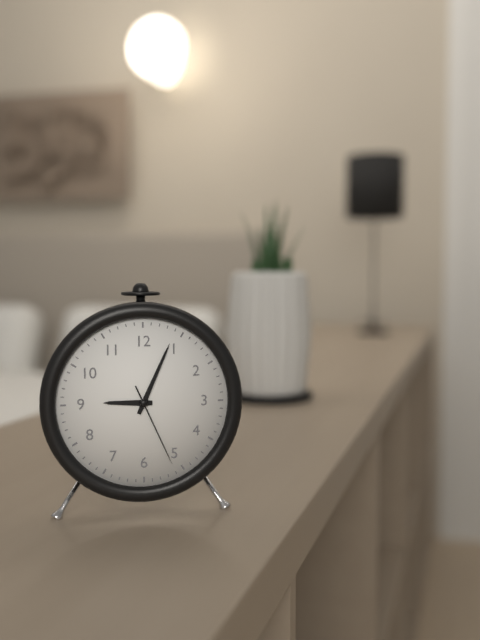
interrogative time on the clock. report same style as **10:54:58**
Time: **9:04:26**
